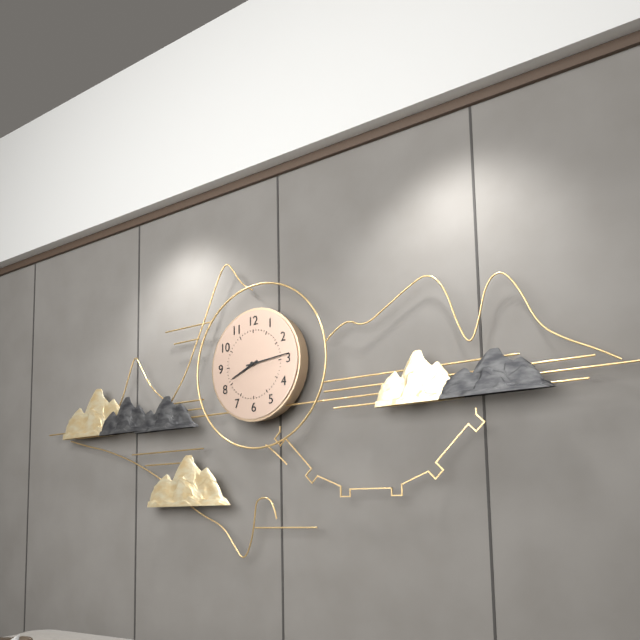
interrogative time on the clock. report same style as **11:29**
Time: **8:14**
